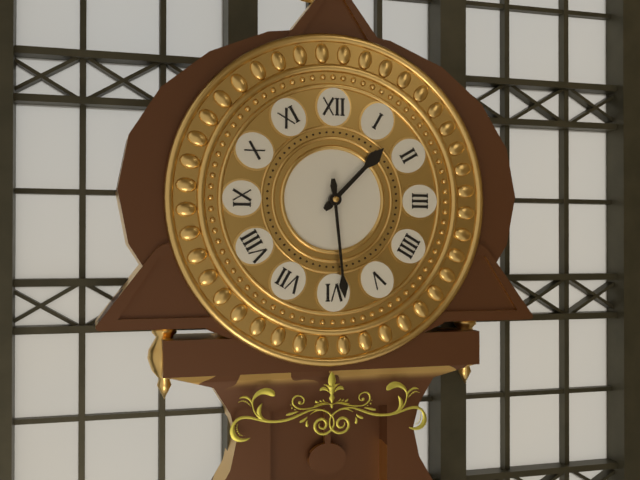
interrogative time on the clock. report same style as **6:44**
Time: **1:29**
